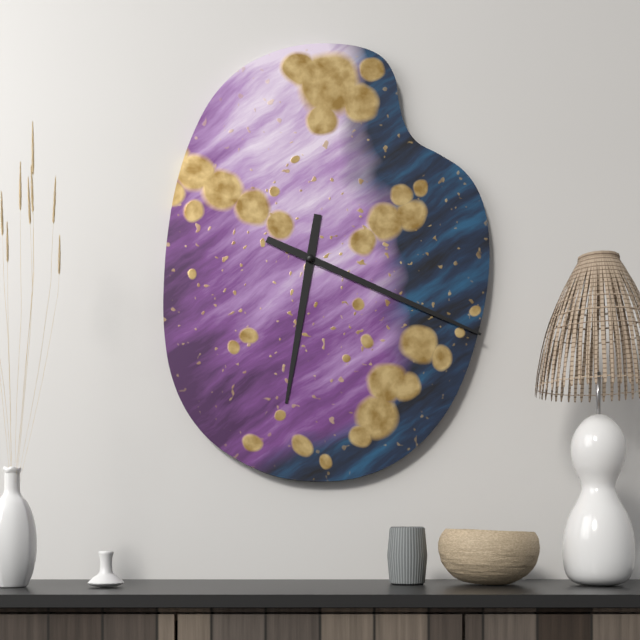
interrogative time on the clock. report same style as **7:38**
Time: **6:19**
